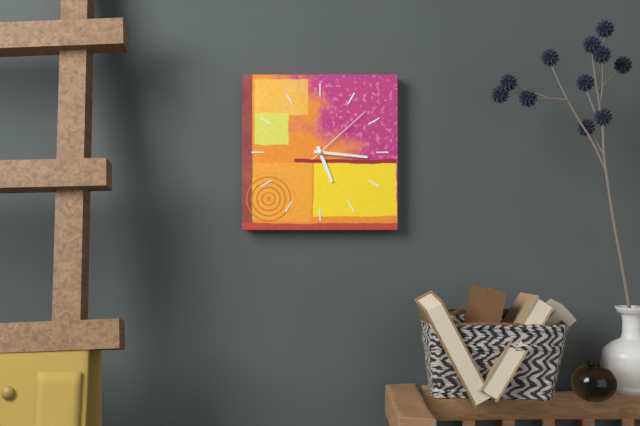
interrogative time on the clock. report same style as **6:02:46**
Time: **5:16:08**
